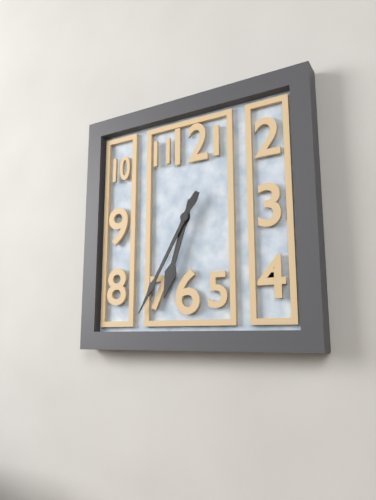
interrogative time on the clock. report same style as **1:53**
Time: **6:35**
